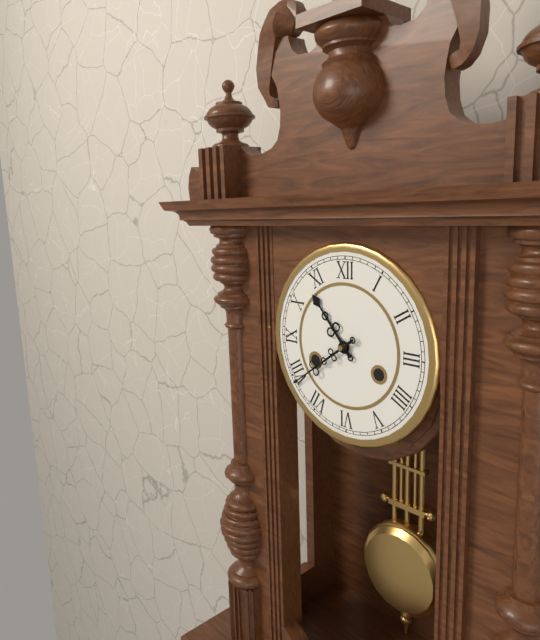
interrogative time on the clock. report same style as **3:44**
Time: **10:39**
